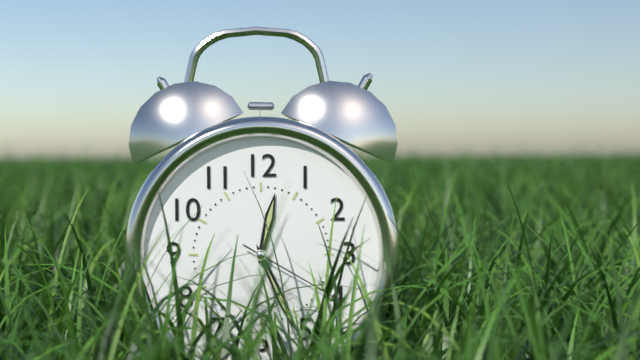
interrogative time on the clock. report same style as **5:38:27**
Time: **12:26:20**
